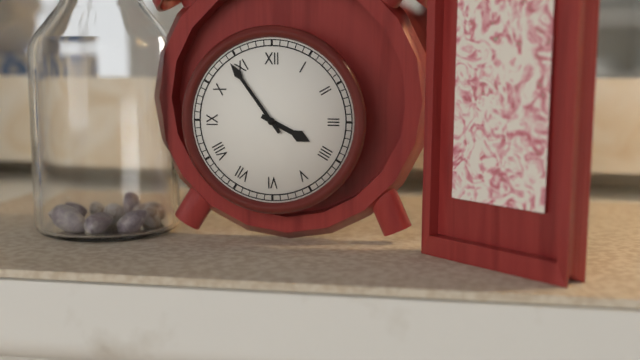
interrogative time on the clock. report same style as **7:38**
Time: **3:54**
